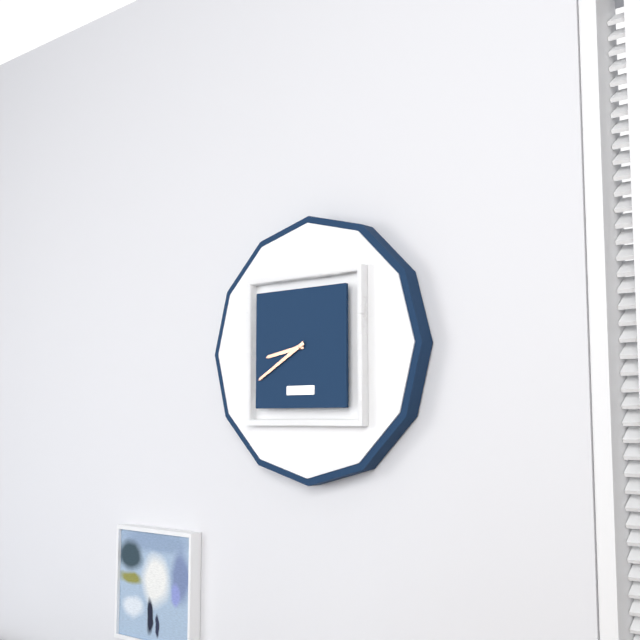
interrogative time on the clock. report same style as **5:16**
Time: **8:40**
